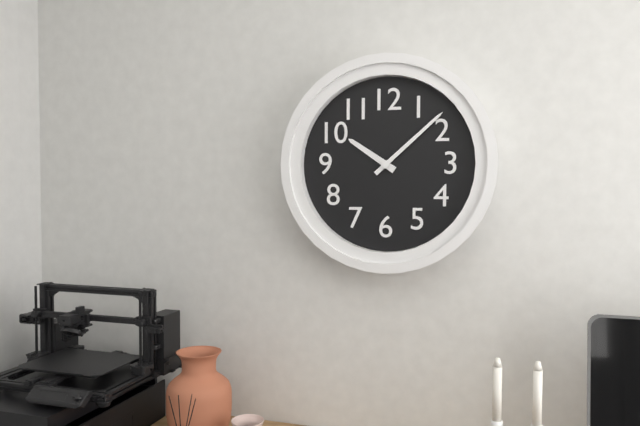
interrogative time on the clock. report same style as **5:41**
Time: **10:08**
